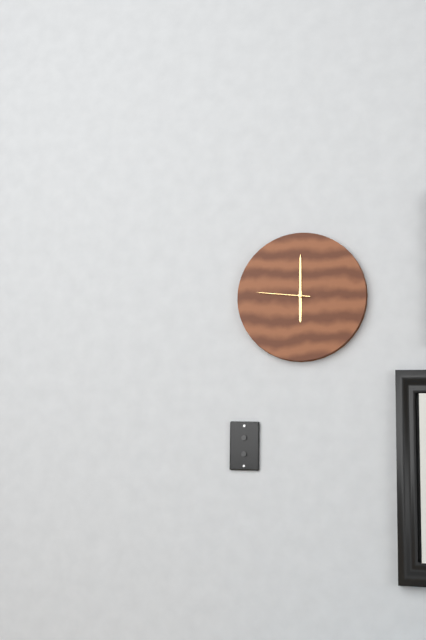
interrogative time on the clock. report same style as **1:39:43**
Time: **6:00:46**
